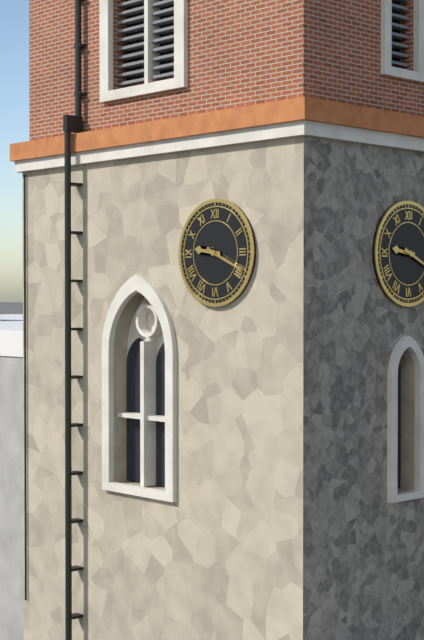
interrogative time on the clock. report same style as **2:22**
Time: **9:19**
